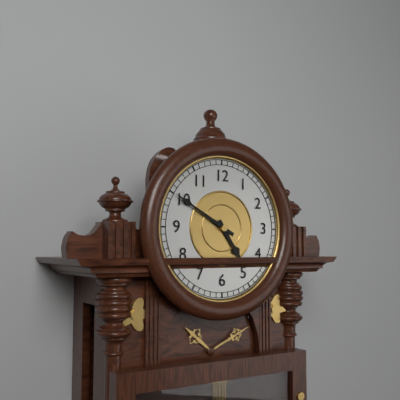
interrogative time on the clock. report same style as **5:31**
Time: **4:50**
